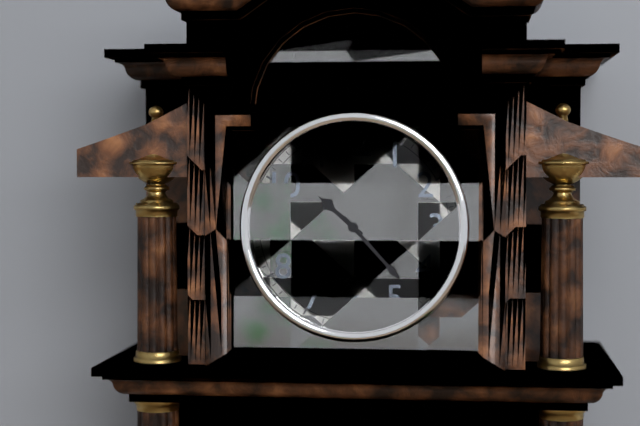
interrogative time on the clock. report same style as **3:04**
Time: **10:23**
